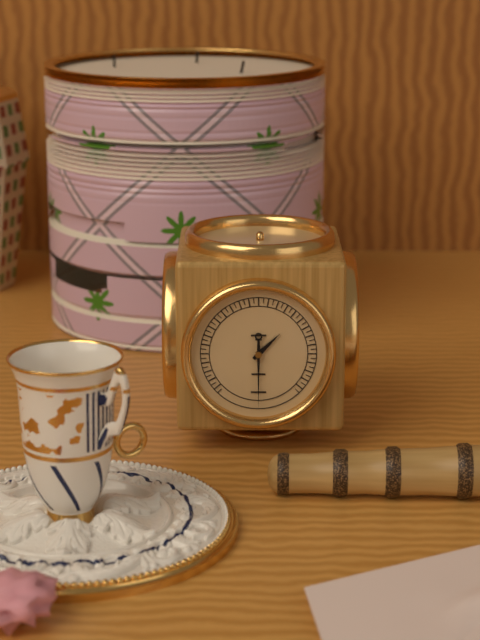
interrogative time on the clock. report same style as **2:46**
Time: **1:30**
